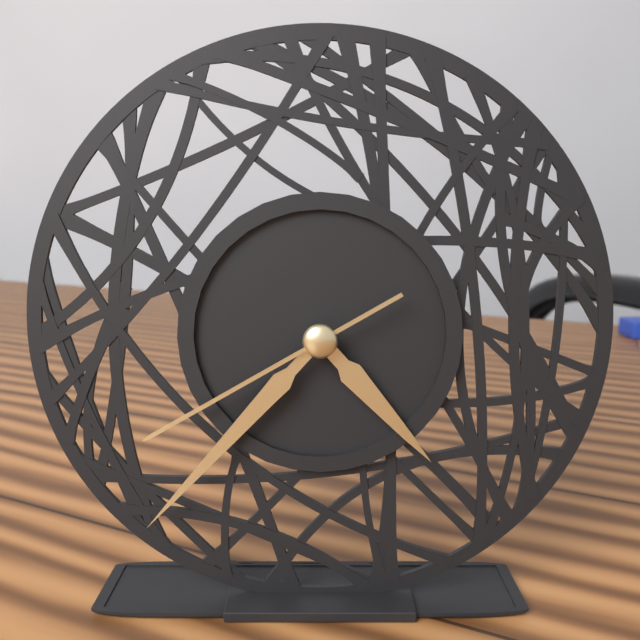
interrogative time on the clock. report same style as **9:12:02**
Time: **4:37:40**
